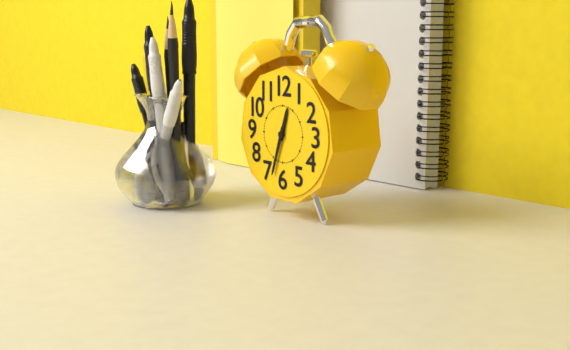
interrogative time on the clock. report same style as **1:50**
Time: **12:33**
